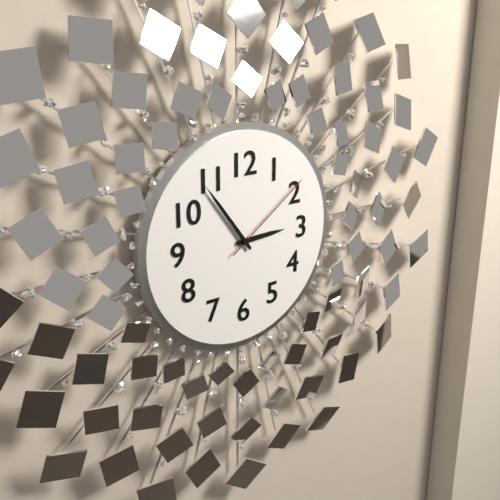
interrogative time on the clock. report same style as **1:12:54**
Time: **2:54:09**
